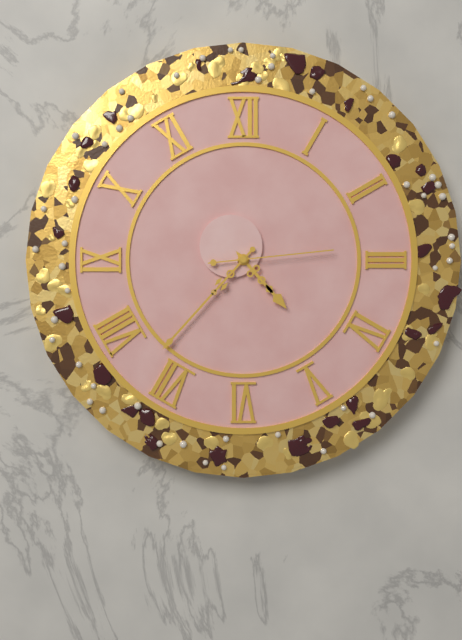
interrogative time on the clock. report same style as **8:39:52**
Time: **4:37:14**
